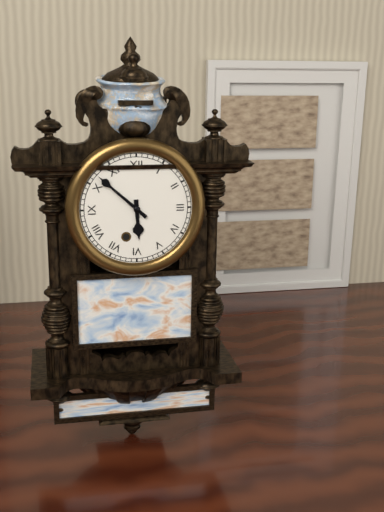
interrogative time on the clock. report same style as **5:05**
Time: **5:52**
